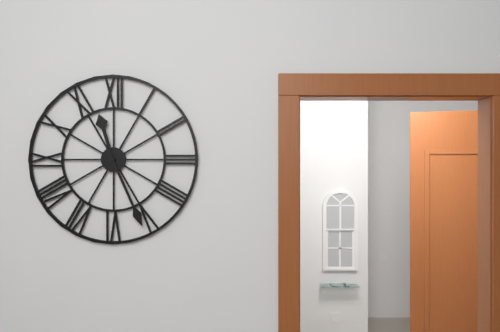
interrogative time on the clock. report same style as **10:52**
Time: **11:26**
